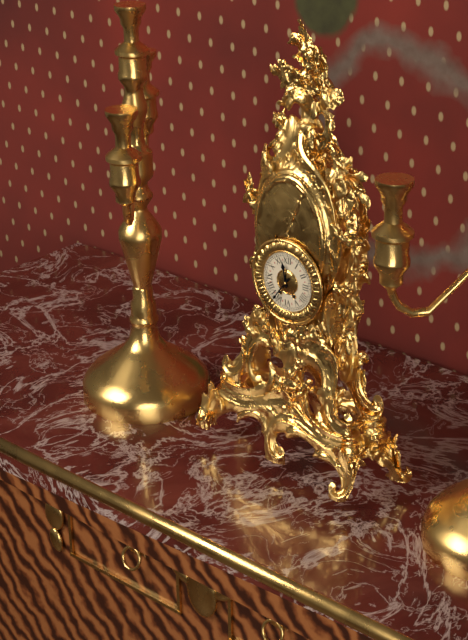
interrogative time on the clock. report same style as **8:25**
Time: **11:36**
